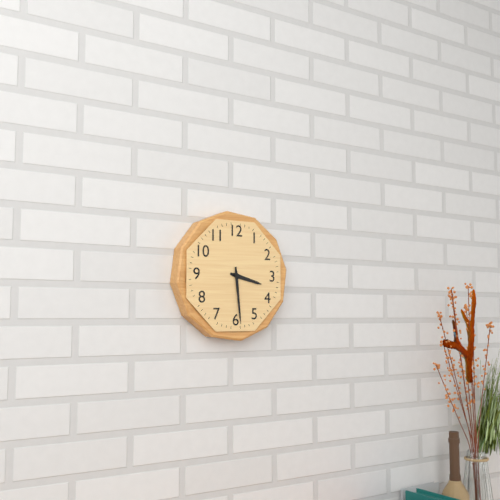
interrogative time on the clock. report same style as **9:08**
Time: **3:29**
